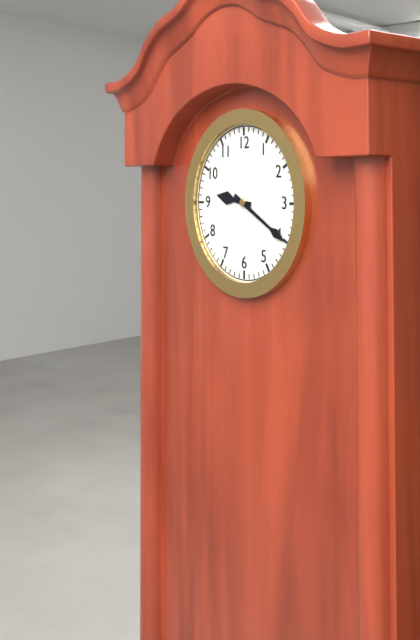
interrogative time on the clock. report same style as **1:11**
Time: **9:20**
